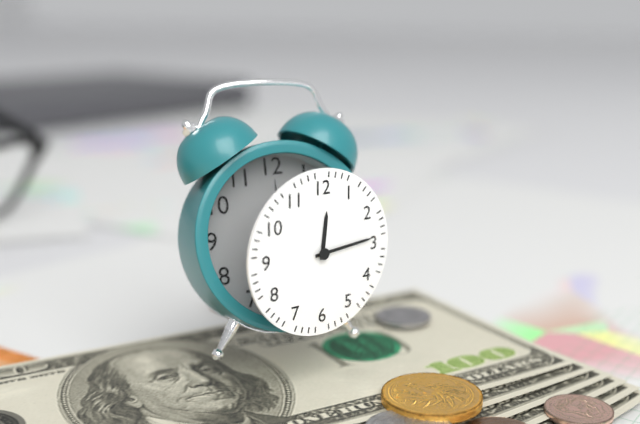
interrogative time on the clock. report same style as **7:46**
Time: **12:14**
